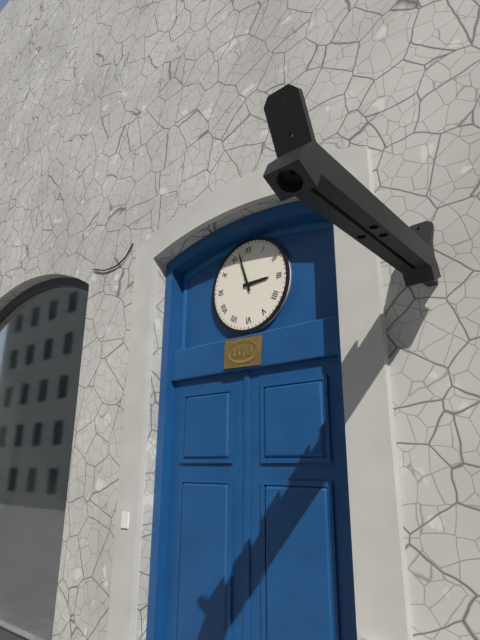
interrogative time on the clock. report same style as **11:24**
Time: **2:57**
